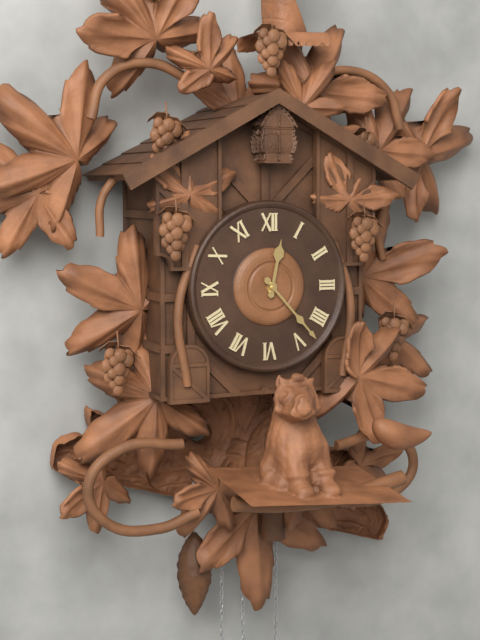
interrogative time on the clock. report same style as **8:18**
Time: **12:23**
